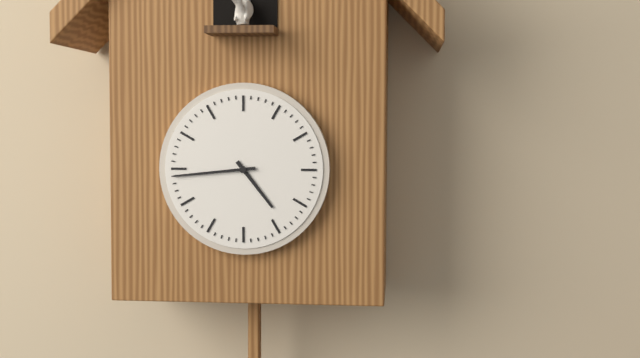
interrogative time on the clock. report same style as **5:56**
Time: **4:44**
